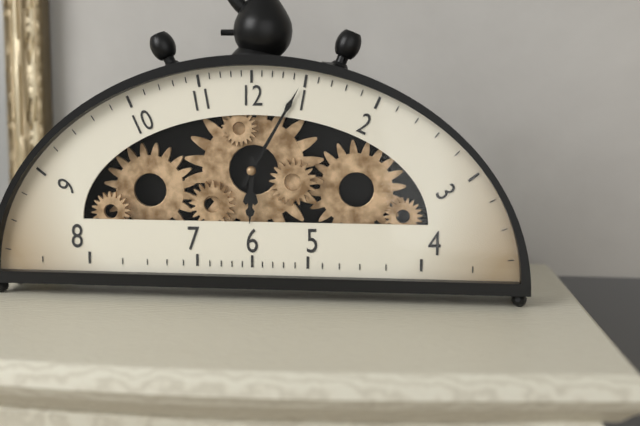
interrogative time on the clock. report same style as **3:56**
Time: **6:05**
